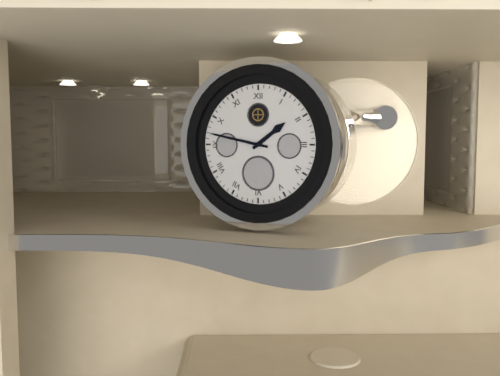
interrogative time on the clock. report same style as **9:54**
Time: **1:47**
